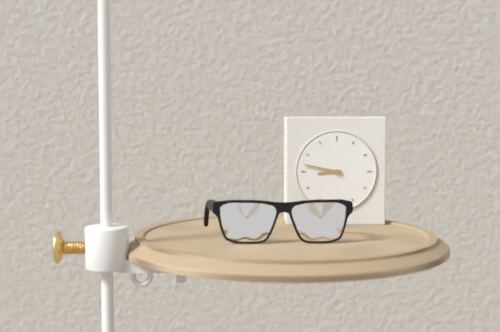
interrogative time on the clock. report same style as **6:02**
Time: **8:47**
